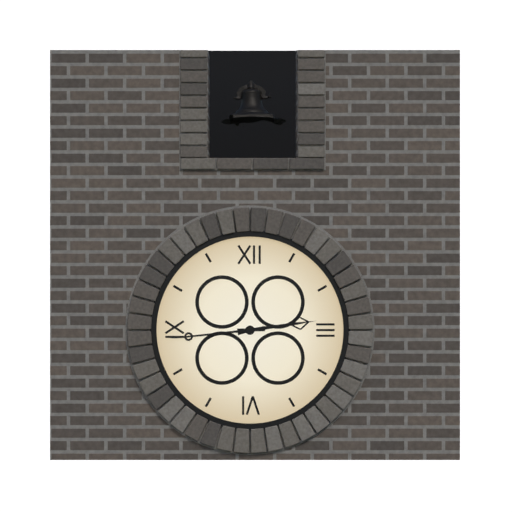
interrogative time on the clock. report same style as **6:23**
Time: **2:44**
